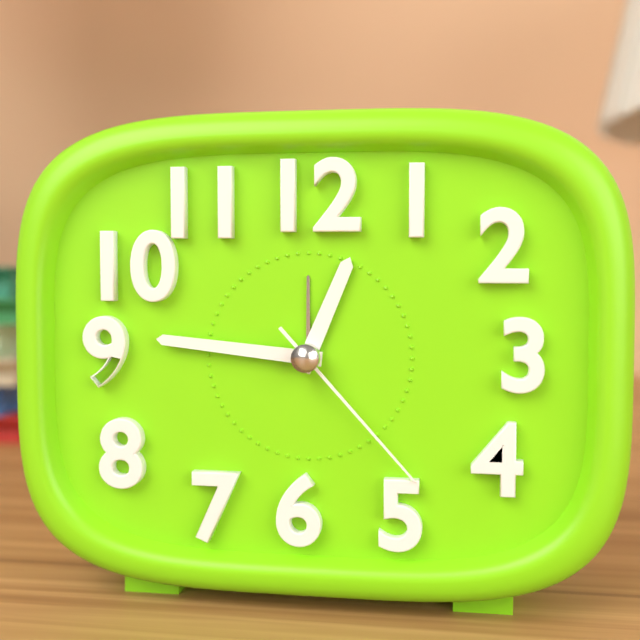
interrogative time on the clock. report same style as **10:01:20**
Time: **12:46:23**
